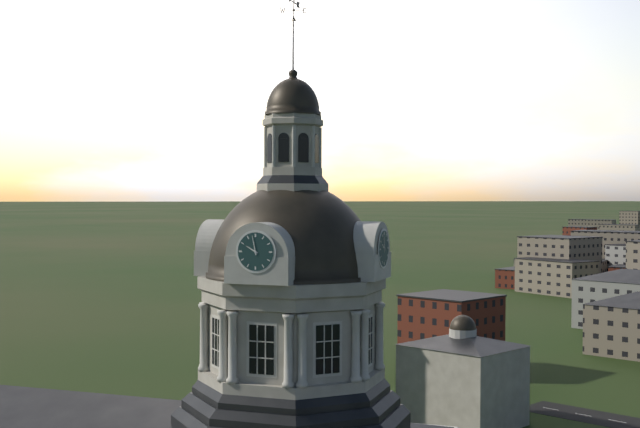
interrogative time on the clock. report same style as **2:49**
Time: **9:58**
